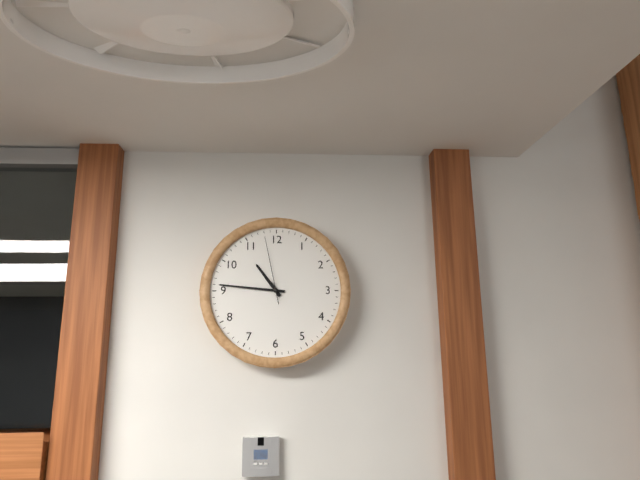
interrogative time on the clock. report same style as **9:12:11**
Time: **10:46:58**
